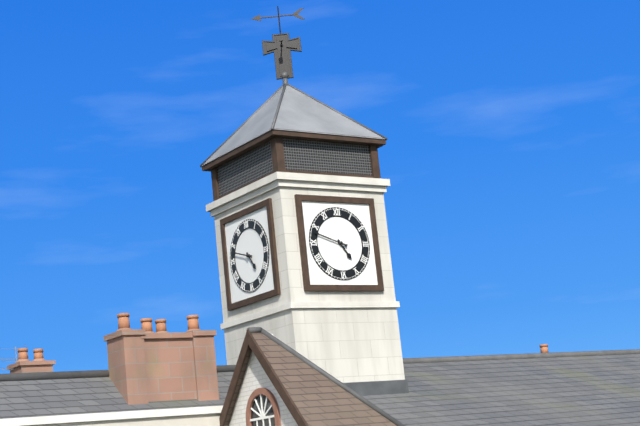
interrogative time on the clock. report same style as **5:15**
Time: **4:48**
